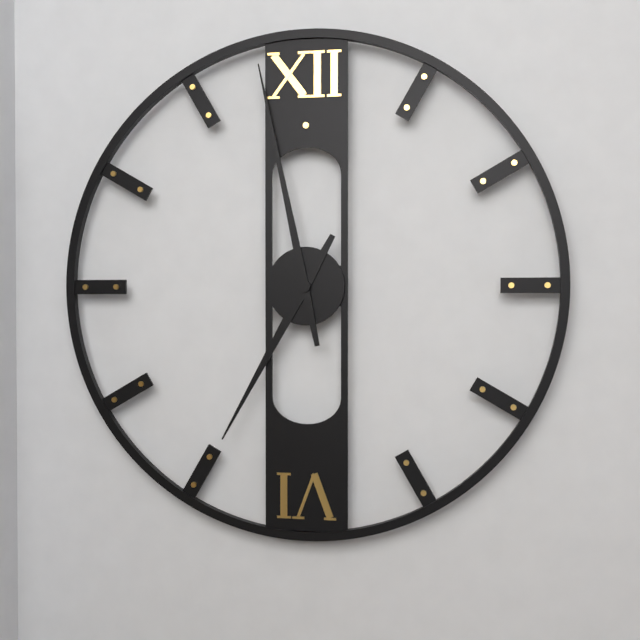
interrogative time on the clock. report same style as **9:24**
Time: **6:58**
